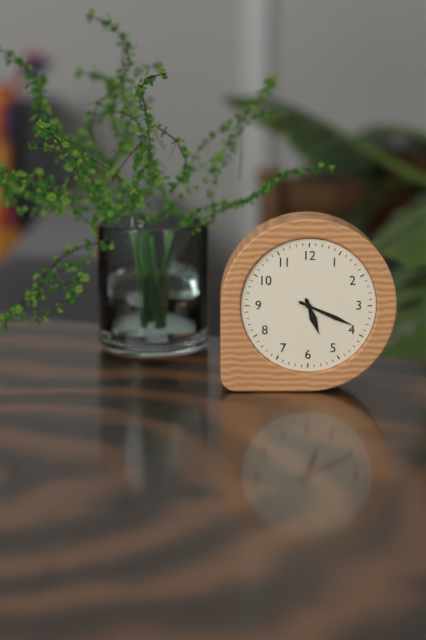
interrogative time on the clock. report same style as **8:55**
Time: **5:19**
